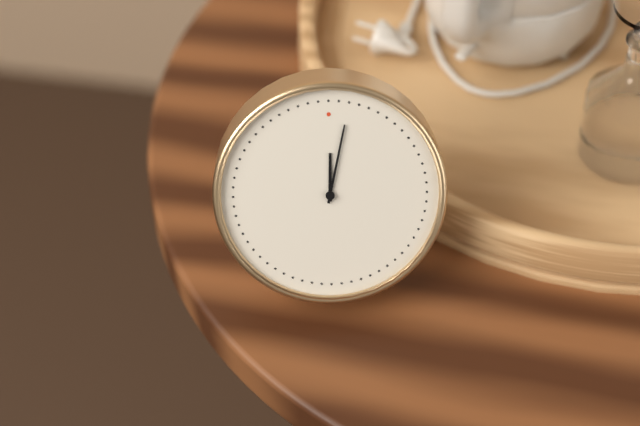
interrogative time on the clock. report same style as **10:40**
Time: **12:02**
